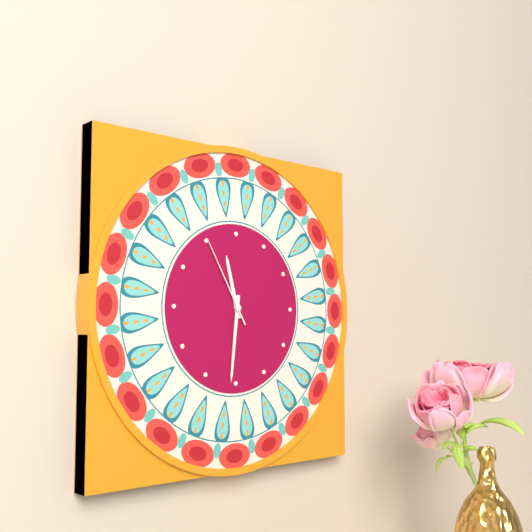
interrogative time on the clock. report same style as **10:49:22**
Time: **11:31:55**
